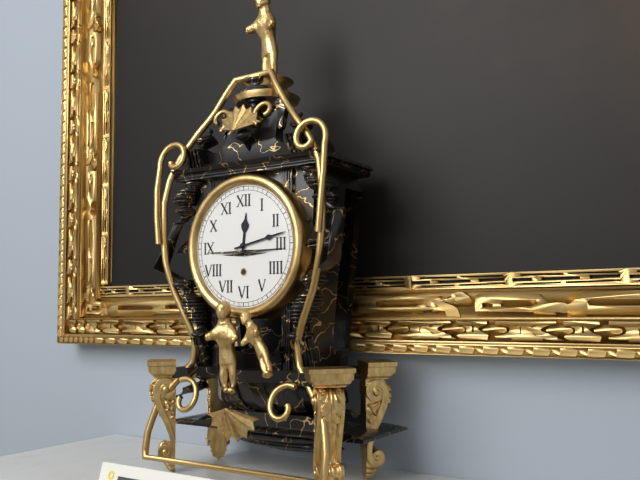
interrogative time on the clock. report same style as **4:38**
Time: **12:13**
